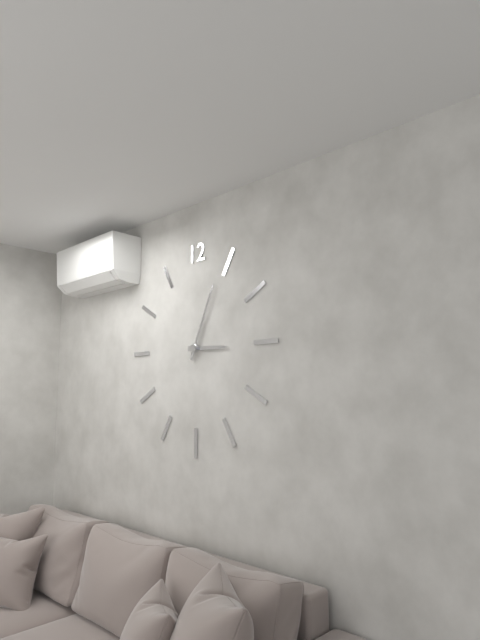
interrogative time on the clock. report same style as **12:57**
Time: **3:04**
